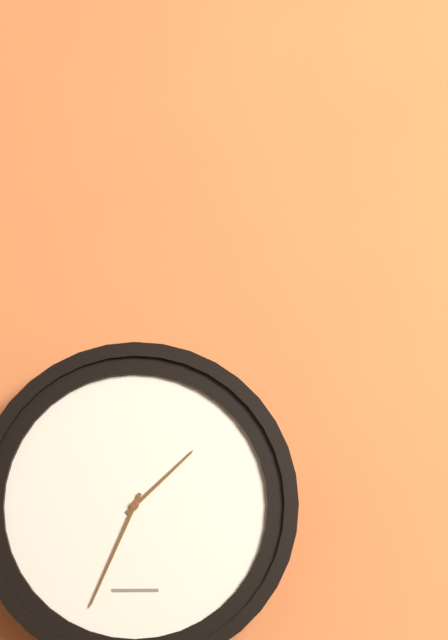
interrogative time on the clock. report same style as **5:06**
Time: **1:34**
